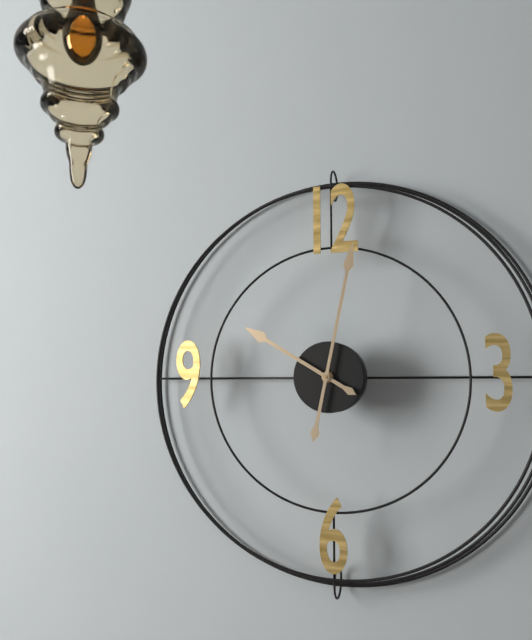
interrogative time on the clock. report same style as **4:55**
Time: **10:02**
